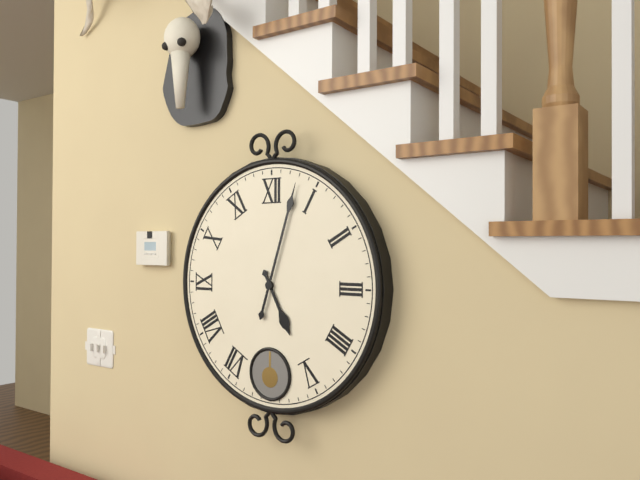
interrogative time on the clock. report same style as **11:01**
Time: **5:03**
